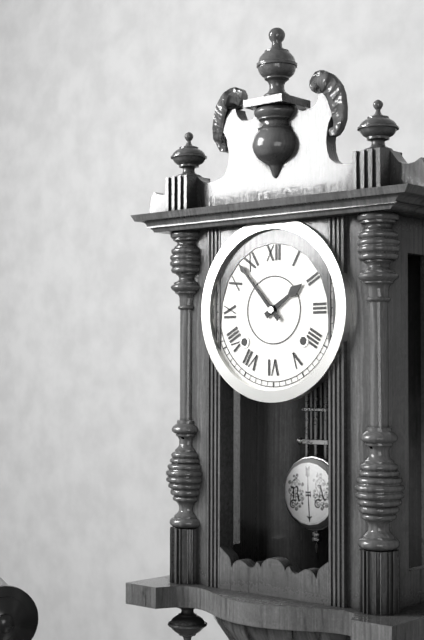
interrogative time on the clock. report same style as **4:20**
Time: **1:53**
